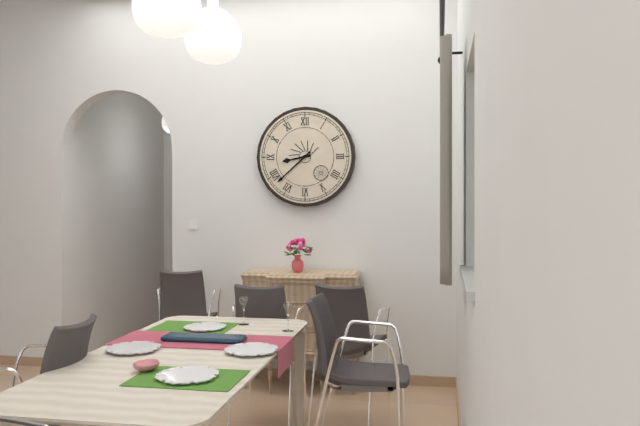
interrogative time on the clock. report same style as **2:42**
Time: **8:38**
